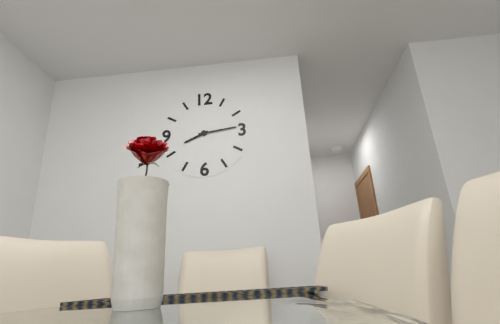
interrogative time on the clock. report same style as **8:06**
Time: **8:14**
